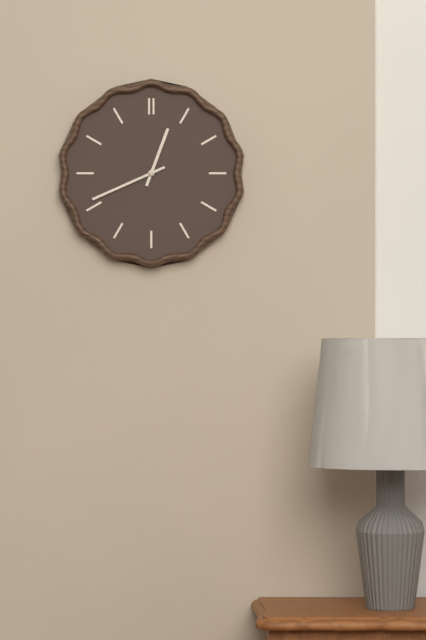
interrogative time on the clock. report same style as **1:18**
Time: **12:41**
